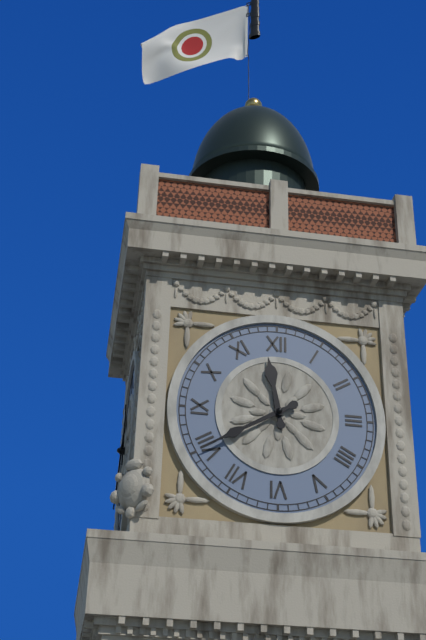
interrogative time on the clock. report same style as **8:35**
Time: **11:40**
